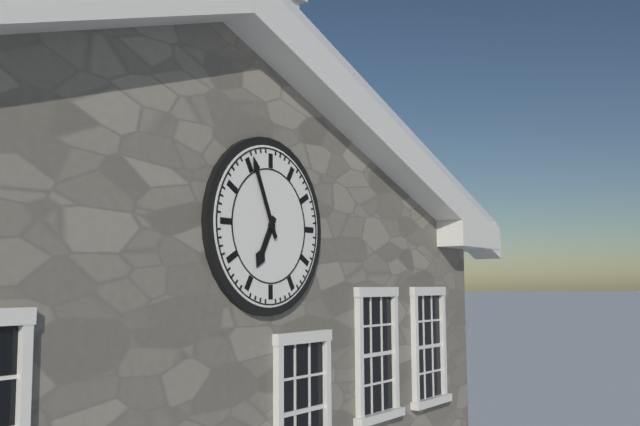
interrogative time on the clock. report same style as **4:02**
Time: **6:56**
